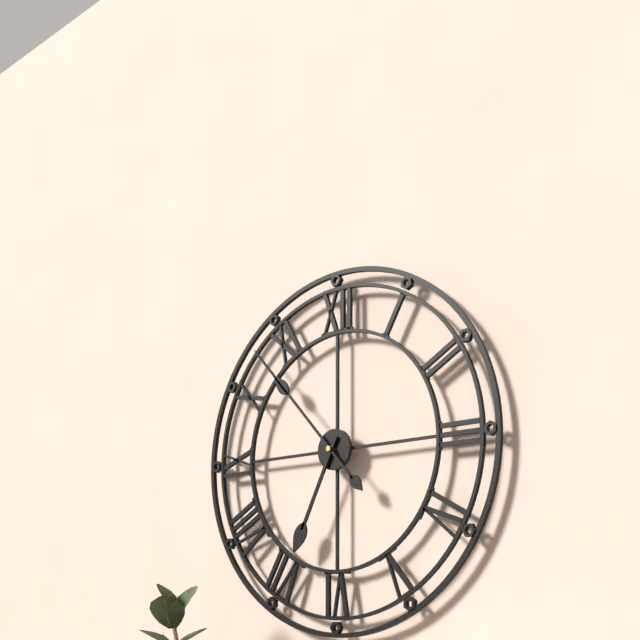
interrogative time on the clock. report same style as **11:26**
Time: **6:53**
